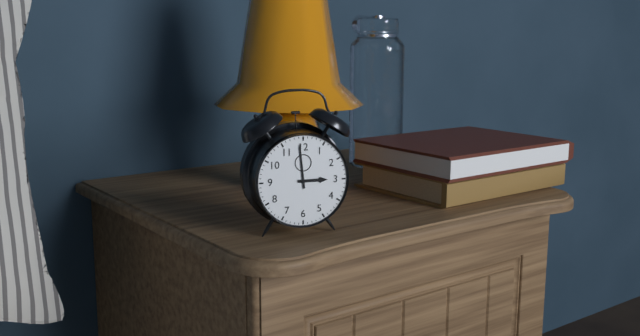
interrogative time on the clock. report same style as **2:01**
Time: **2:59**
